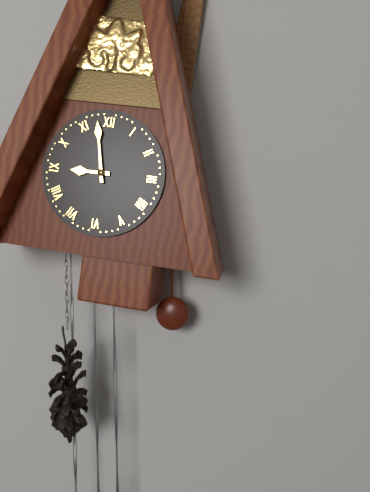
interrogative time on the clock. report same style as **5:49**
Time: **8:58**
